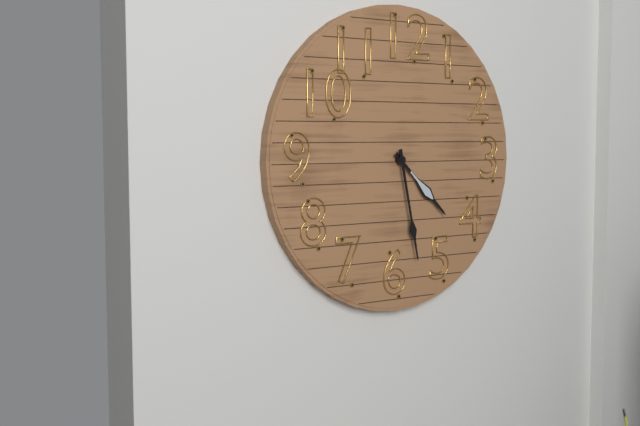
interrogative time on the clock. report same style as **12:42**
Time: **4:28**
